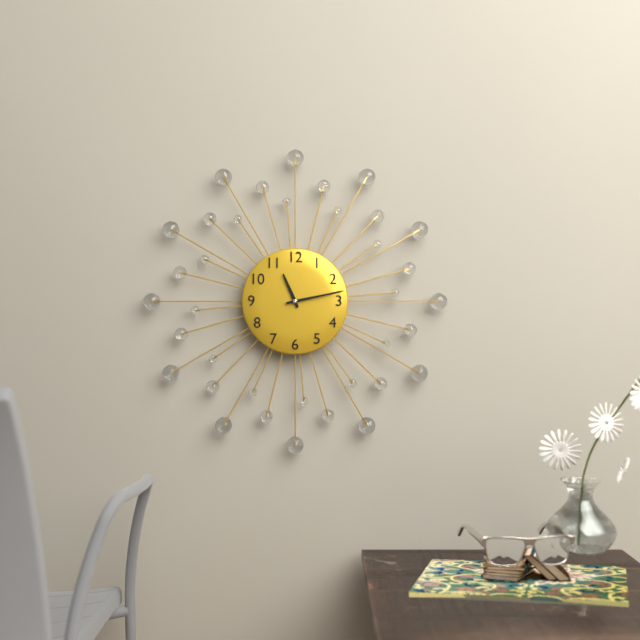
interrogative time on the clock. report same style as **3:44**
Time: **11:13**
